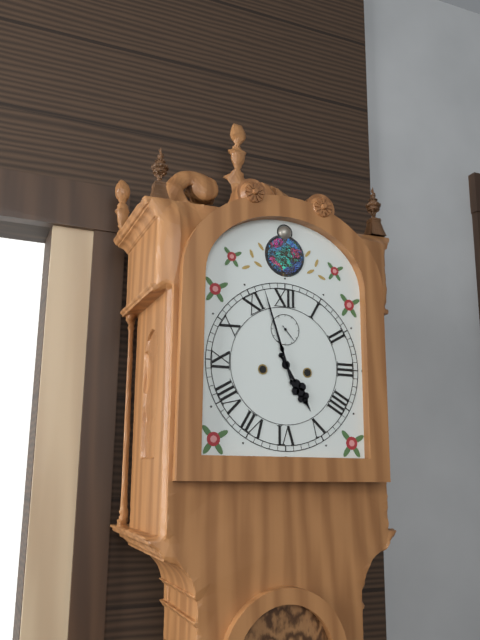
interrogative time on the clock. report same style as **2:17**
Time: **4:57**
